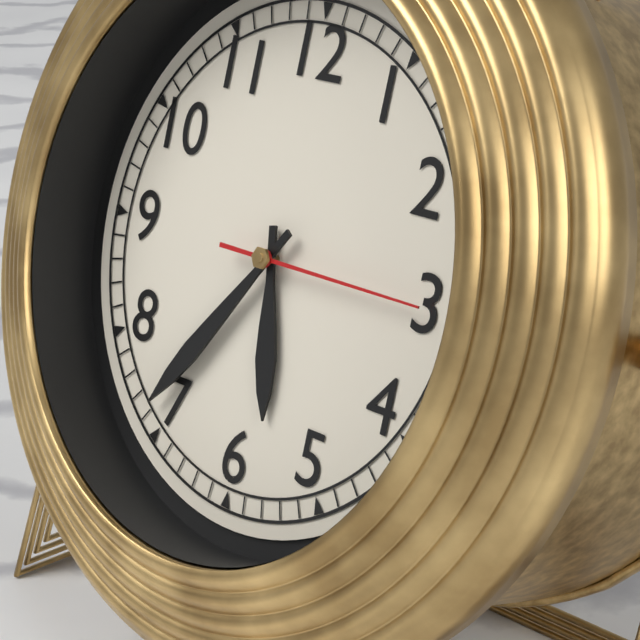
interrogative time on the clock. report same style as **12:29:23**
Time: **5:36:15**
